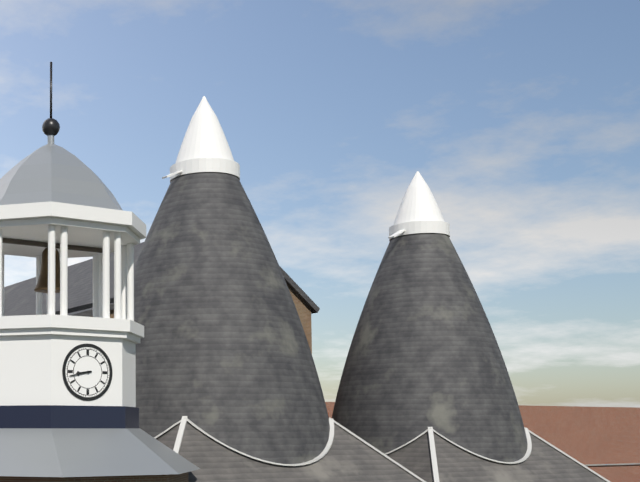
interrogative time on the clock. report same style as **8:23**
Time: **8:43**
